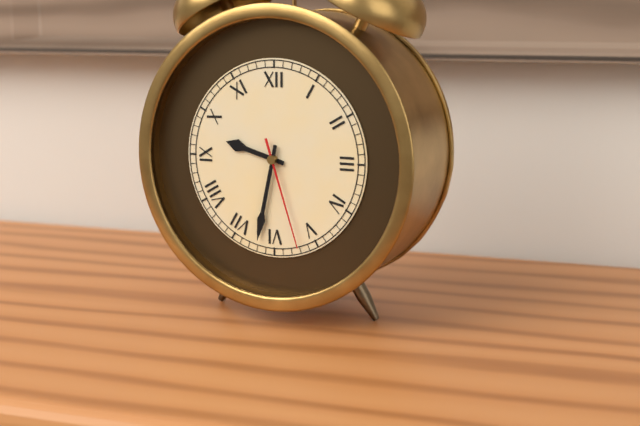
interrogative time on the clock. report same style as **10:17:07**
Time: **9:32:27**
